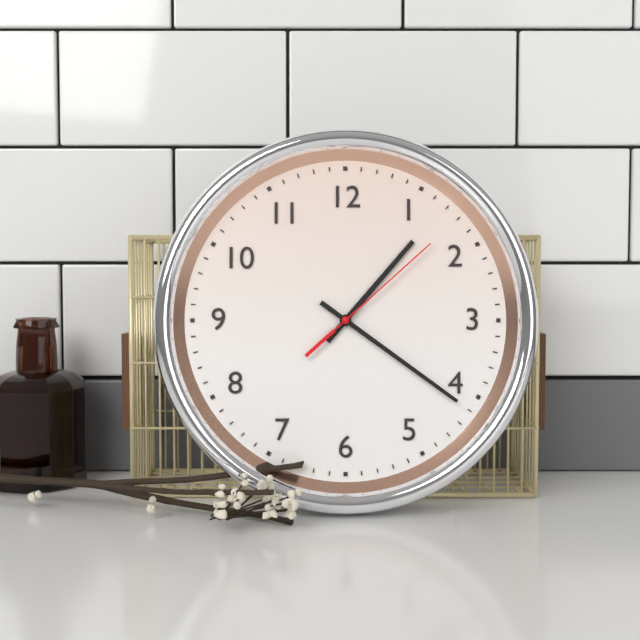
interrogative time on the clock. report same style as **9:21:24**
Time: **1:21:08**
